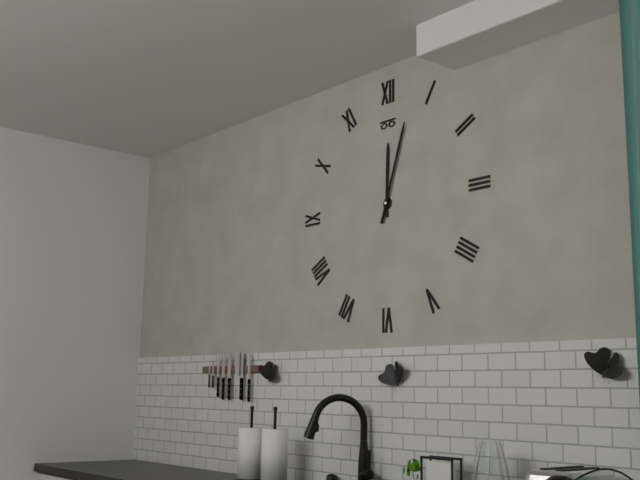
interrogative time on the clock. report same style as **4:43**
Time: **12:03**
